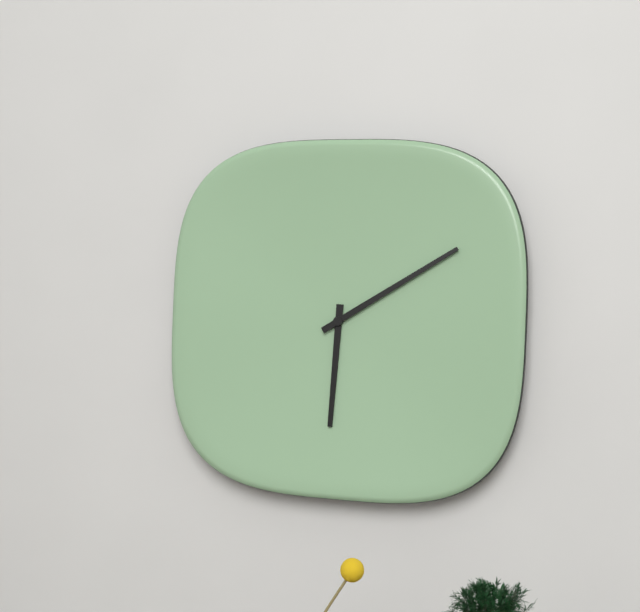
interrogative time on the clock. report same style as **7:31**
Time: **6:10**
